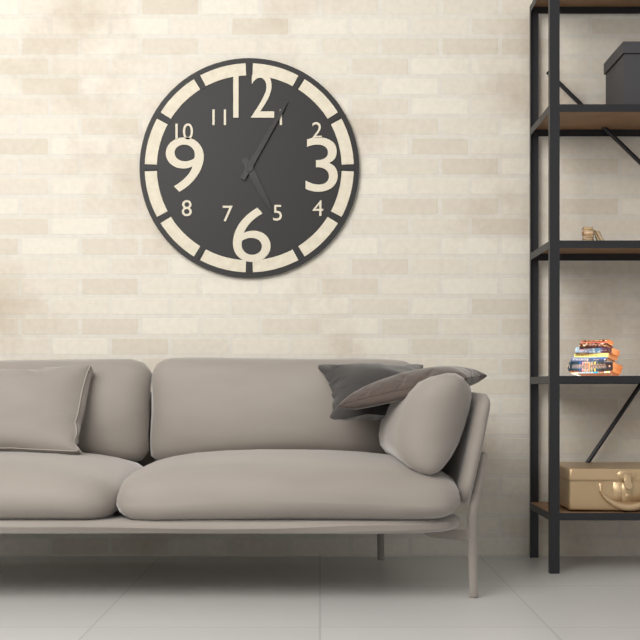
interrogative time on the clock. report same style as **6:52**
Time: **5:05**
